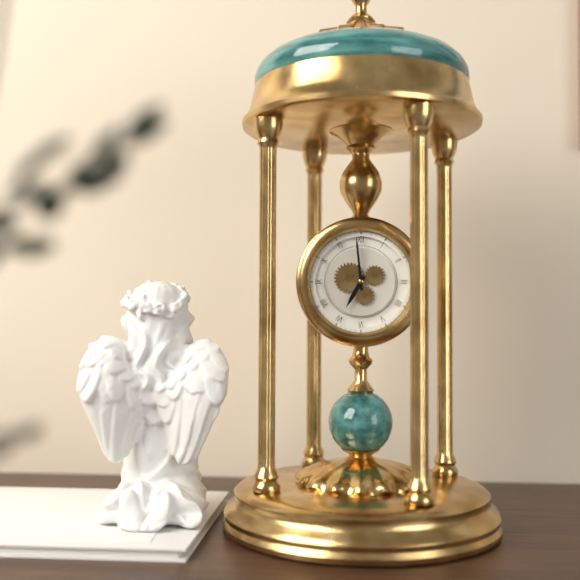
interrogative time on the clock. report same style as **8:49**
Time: **6:59**
